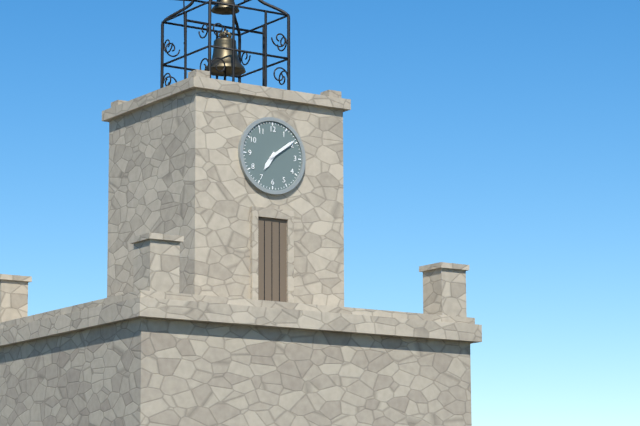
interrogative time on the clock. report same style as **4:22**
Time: **7:09**
